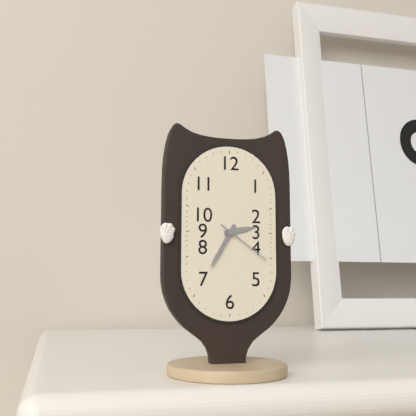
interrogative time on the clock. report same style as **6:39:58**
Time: **2:35:21**
